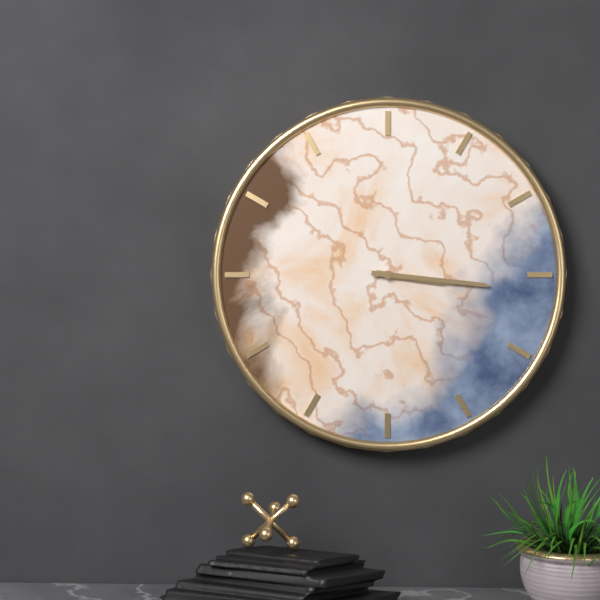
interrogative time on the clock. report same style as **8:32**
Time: **3:16**
